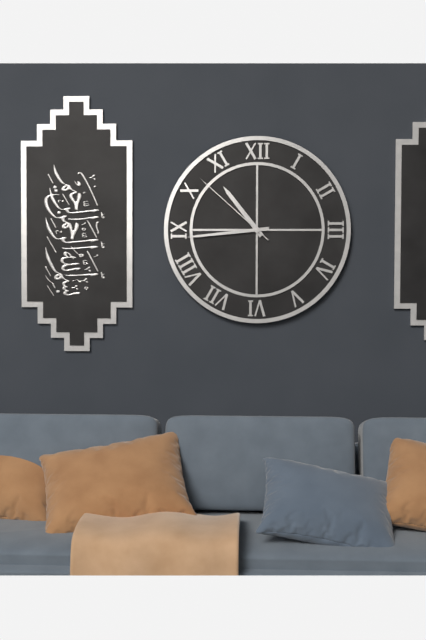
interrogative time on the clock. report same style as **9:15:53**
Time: **10:44:52**
